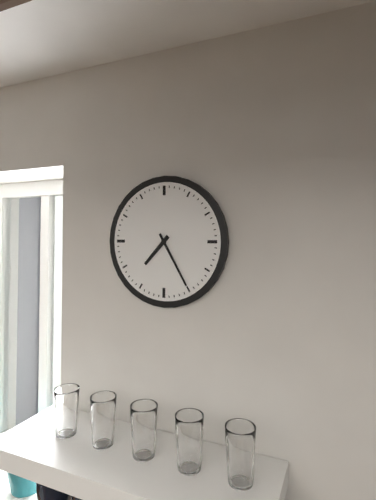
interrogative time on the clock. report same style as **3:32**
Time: **7:25**
